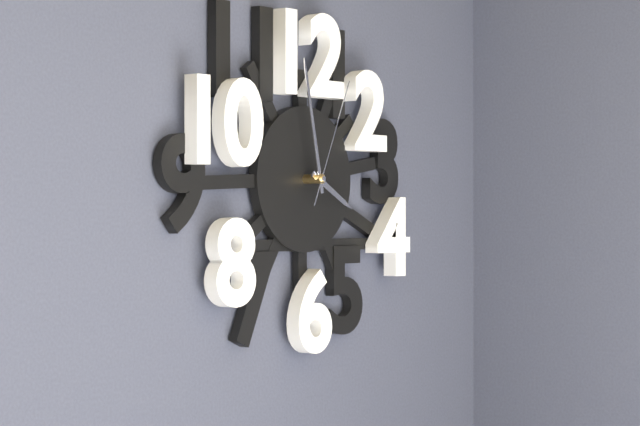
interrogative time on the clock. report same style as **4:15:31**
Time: **3:58:04**
